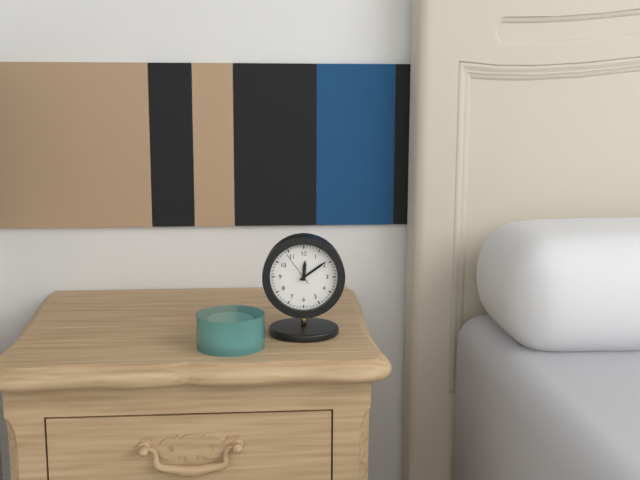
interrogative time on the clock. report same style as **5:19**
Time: **12:09**
